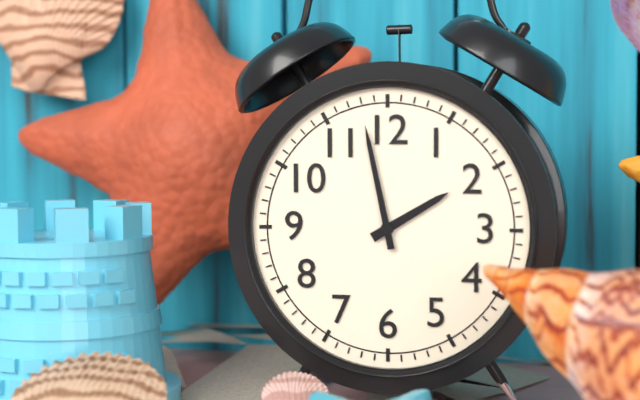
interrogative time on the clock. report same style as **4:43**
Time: **1:58**
